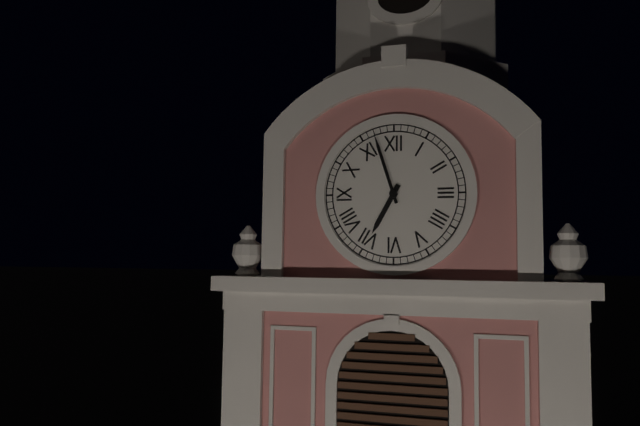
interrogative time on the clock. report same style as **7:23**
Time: **6:57**
